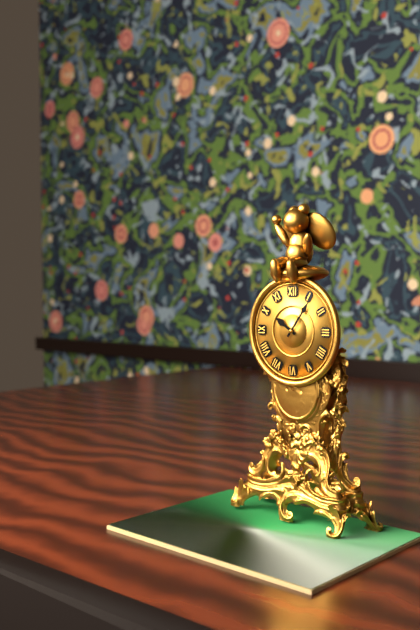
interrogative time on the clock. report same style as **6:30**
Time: **10:06**
